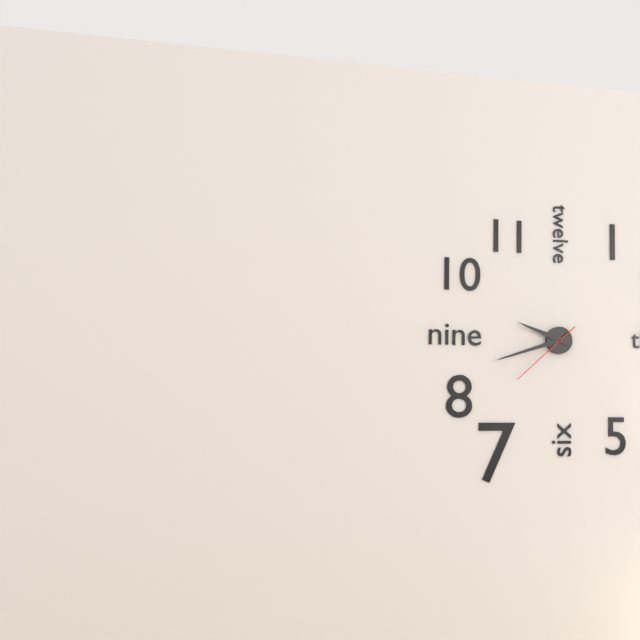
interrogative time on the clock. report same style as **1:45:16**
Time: **9:42:38**
